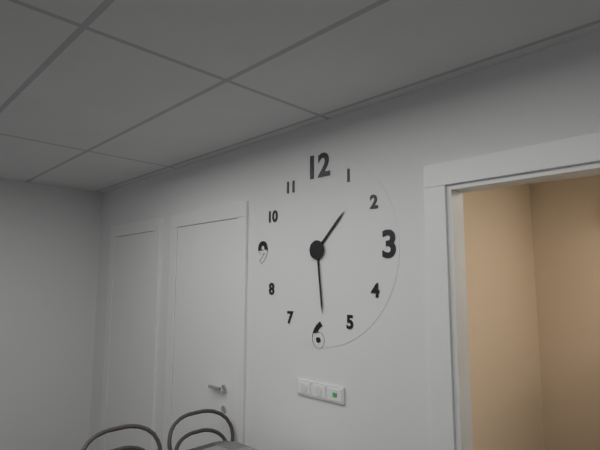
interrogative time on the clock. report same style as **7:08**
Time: **1:29**
